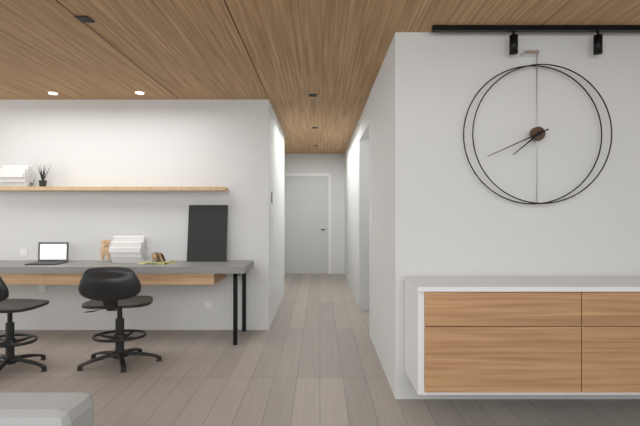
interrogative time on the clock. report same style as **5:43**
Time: **7:41**
